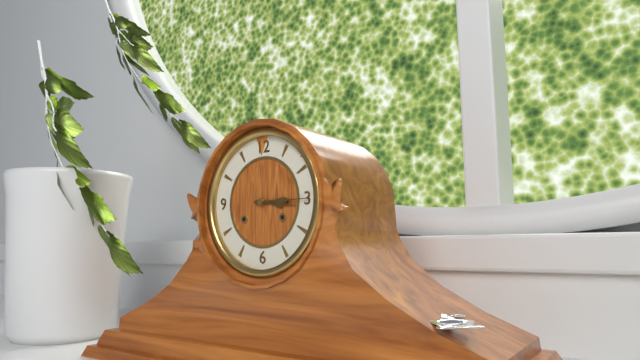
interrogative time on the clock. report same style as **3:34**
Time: **3:15**
